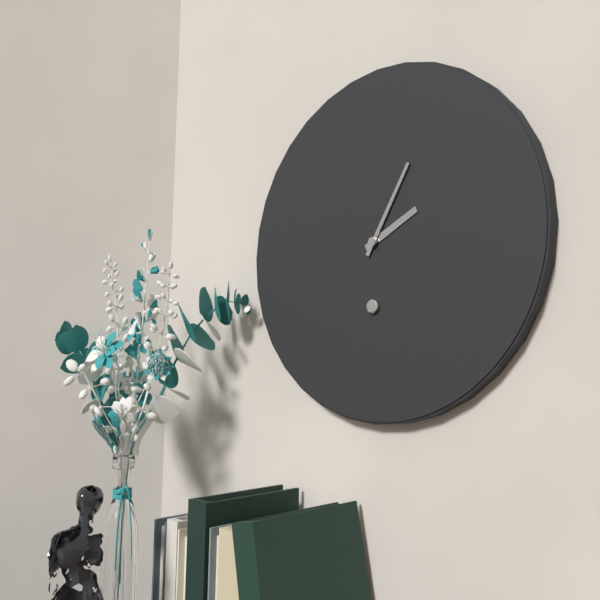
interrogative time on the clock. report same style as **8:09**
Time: **2:05**
